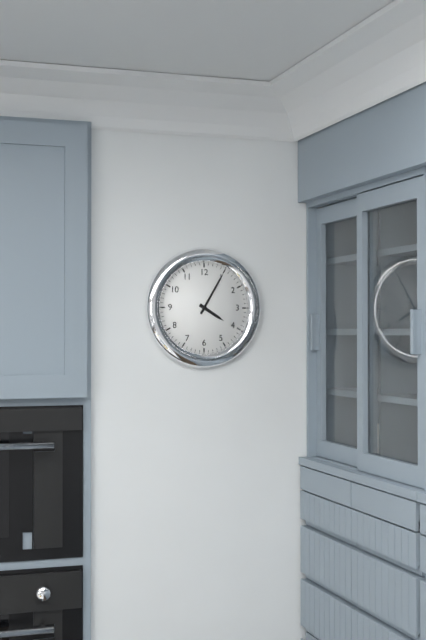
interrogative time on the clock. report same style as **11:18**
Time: **4:05**
